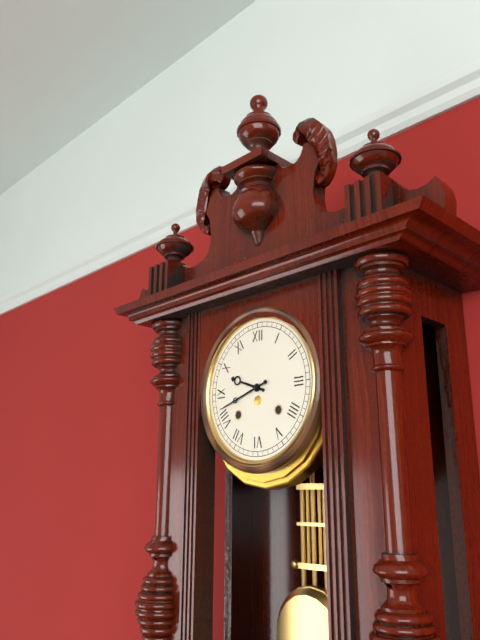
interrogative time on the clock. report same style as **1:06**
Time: **9:42**
